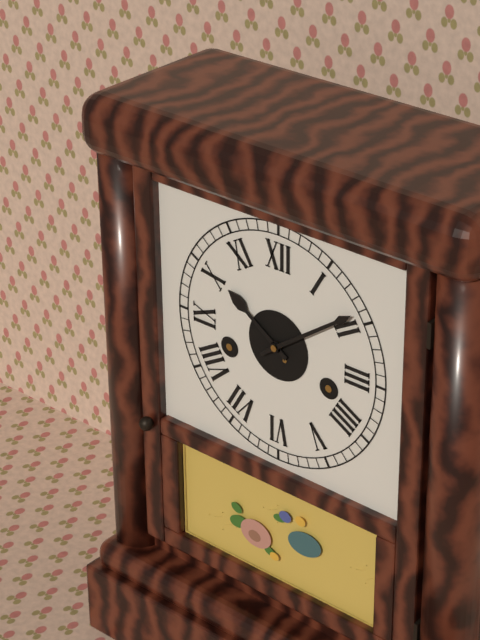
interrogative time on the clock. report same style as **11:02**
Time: **10:09**
